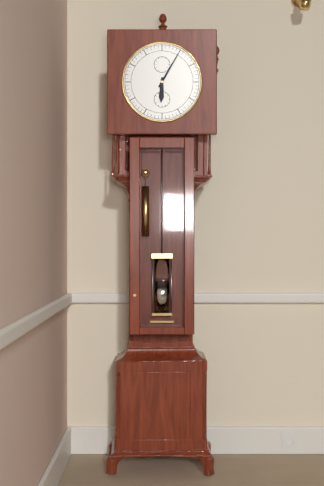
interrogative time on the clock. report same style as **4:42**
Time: **6:05**
